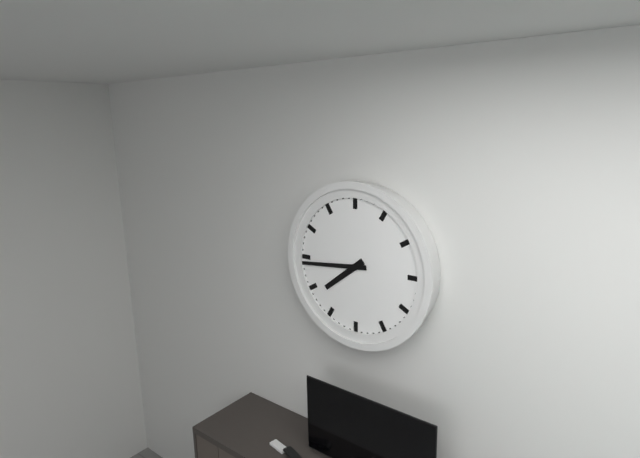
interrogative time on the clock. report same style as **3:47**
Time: **7:44**
